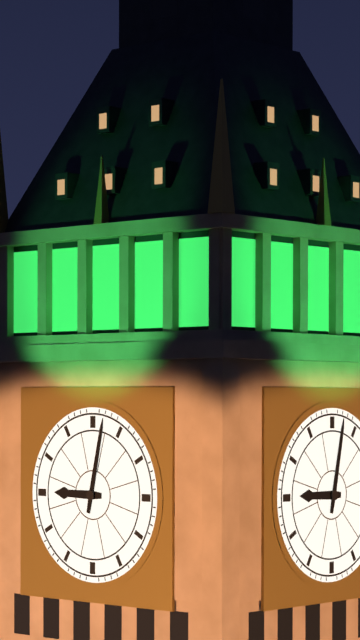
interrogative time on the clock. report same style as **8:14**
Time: **9:02**
